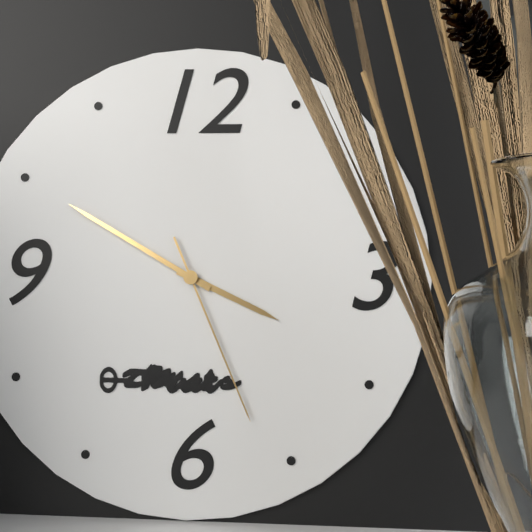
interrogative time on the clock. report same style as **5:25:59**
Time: **3:50:26**
